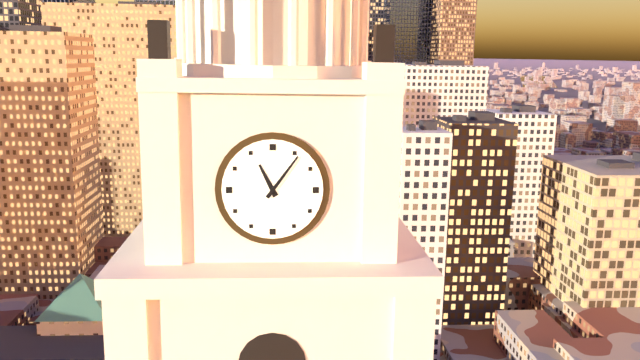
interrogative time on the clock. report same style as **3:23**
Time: **11:06**
